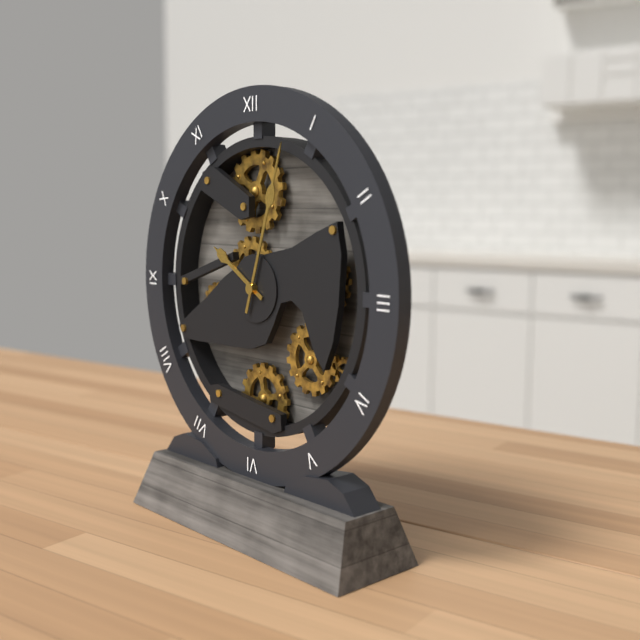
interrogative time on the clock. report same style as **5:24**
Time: **10:03**
